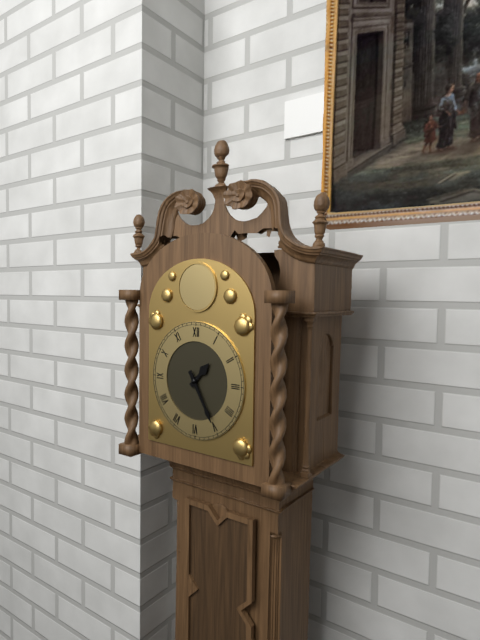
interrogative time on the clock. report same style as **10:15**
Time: **1:25**
